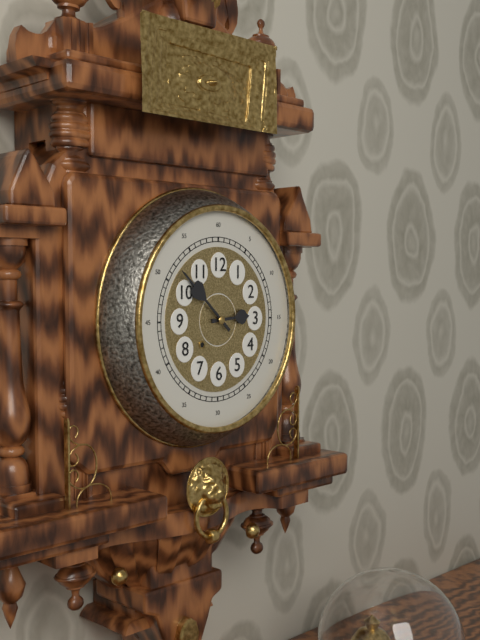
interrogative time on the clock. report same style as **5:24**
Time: **2:52**
